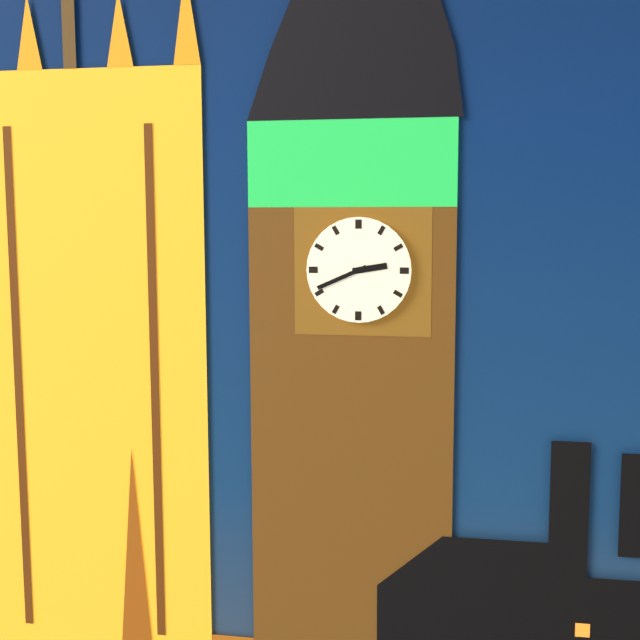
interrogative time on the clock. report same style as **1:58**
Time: **2:41**
